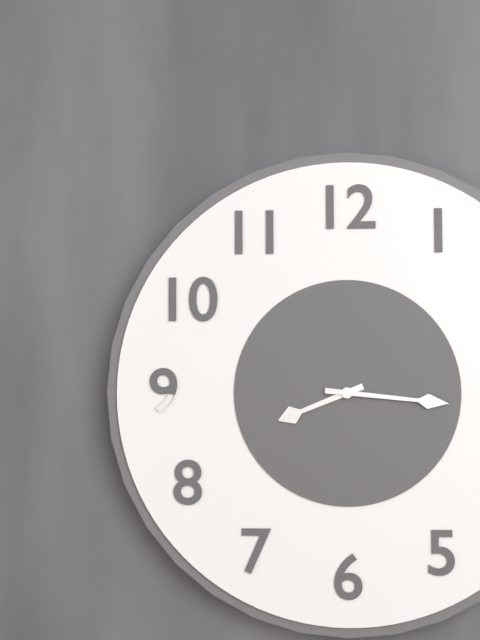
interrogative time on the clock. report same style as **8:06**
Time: **8:16**
